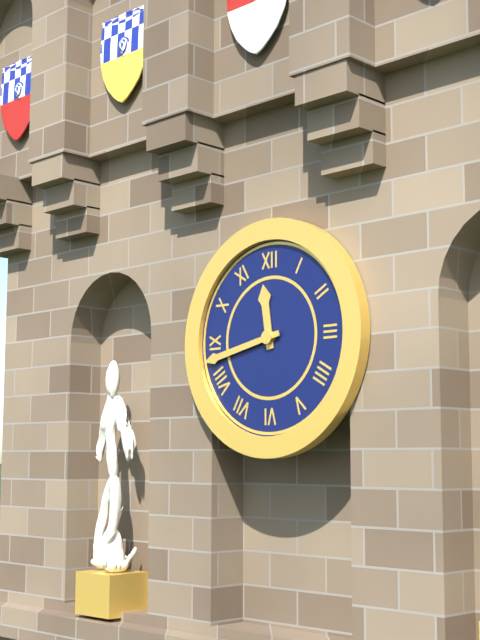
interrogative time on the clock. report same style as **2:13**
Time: **11:43**
